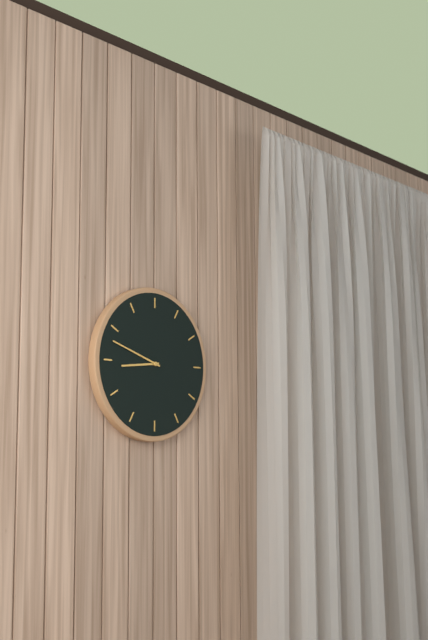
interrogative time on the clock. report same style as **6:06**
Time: **8:48**
